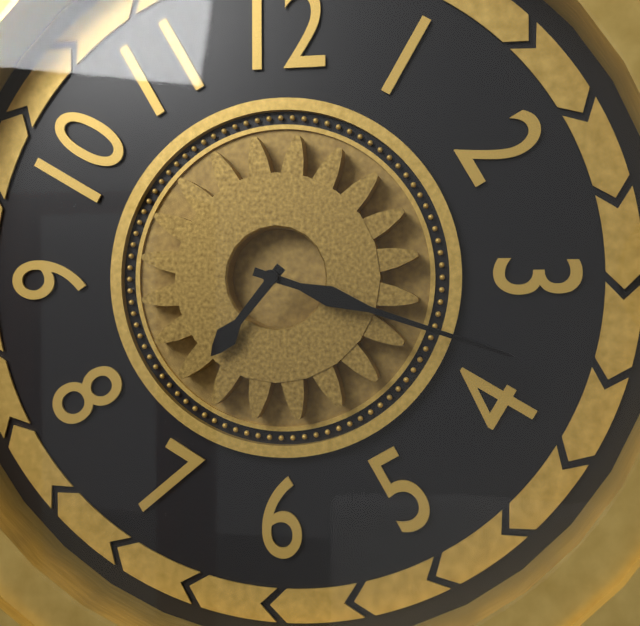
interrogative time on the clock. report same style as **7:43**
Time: **7:18**
